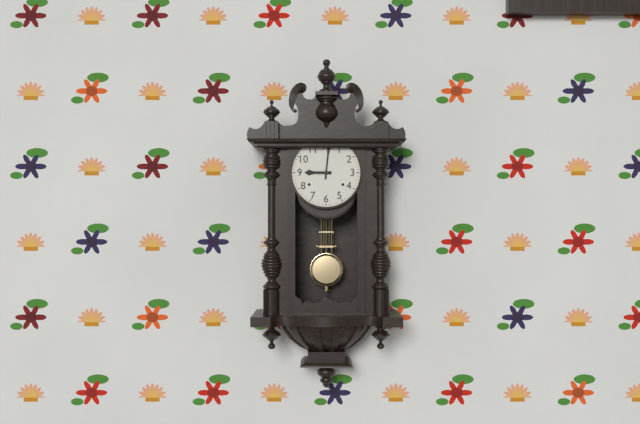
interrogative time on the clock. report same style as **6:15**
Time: **9:01**
